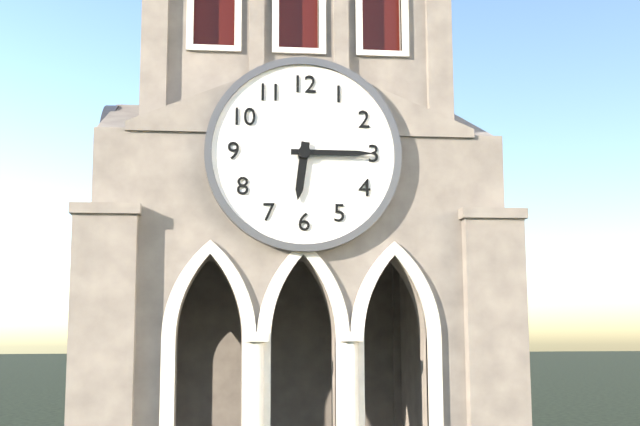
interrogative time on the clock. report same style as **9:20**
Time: **6:15**
